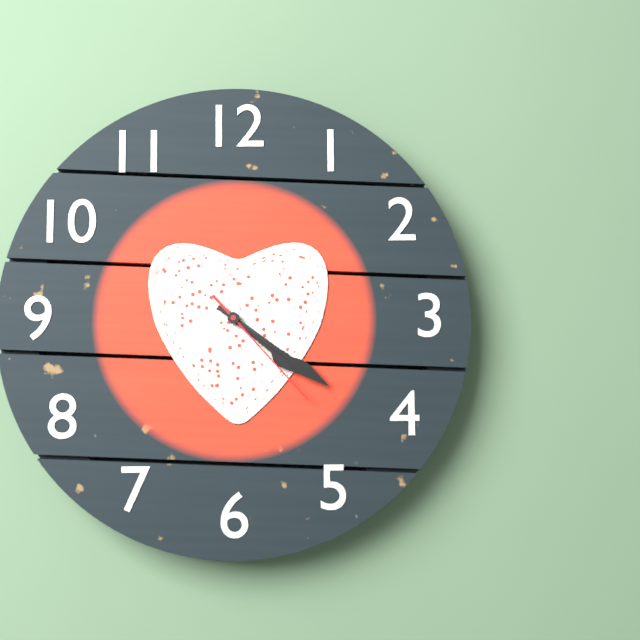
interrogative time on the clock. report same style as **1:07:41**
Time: **4:21:23**
